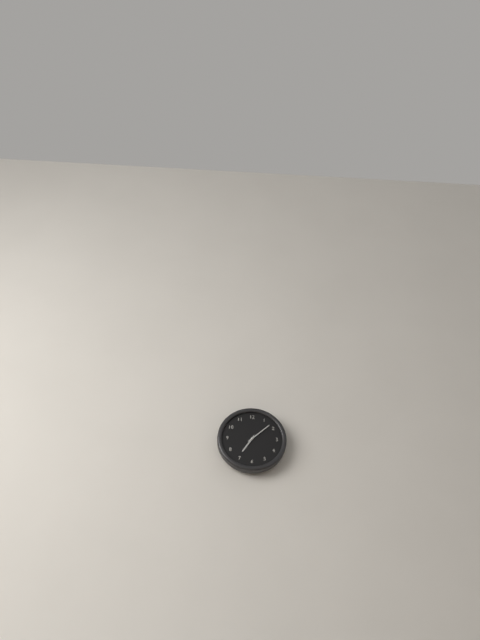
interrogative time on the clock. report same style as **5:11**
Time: **7:08**
